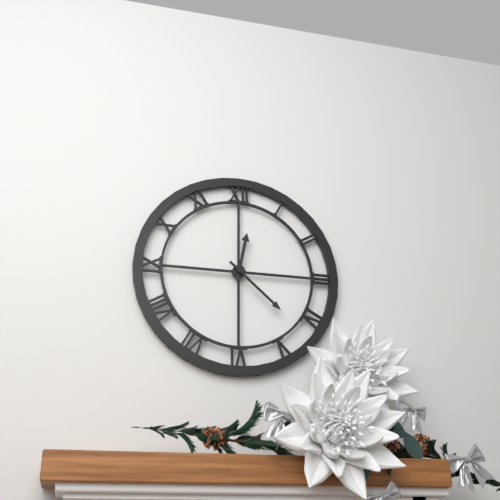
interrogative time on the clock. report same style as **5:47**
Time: **12:22**
